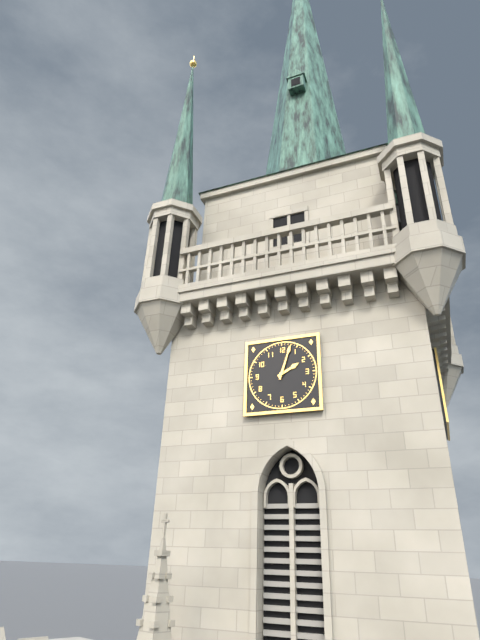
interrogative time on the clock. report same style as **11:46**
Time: **2:03**
